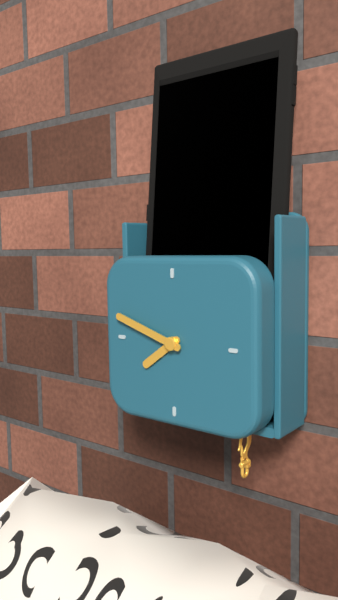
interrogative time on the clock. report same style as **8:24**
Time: **7:48**
